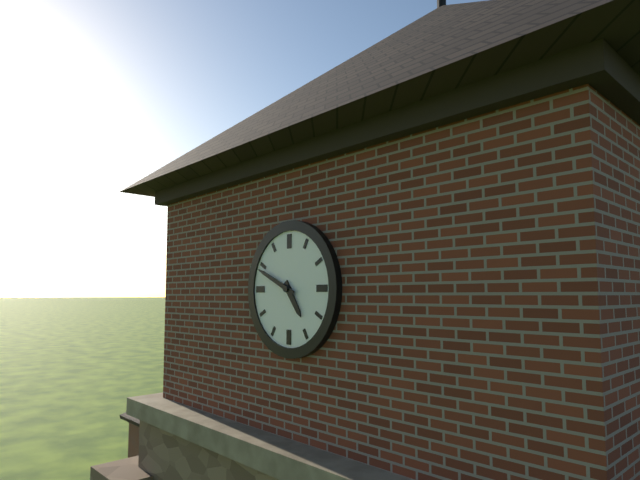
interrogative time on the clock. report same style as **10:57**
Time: **4:49**
